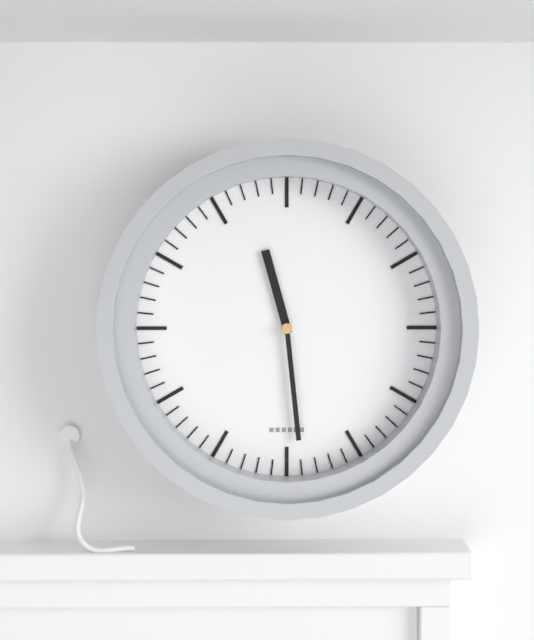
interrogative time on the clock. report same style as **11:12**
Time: **11:29**
